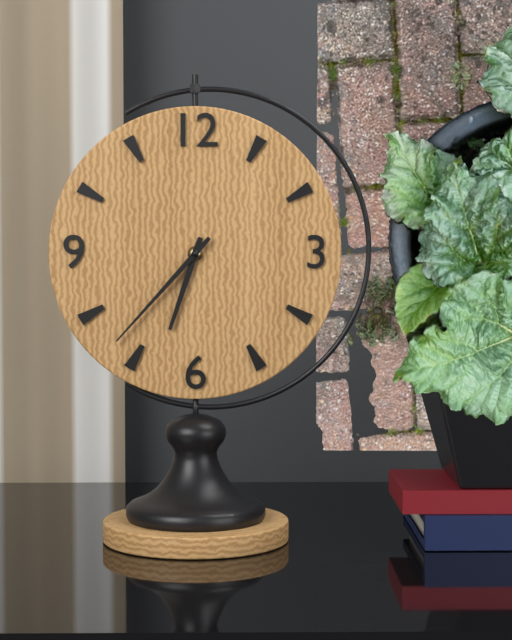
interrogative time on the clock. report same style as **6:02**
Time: **6:37**
